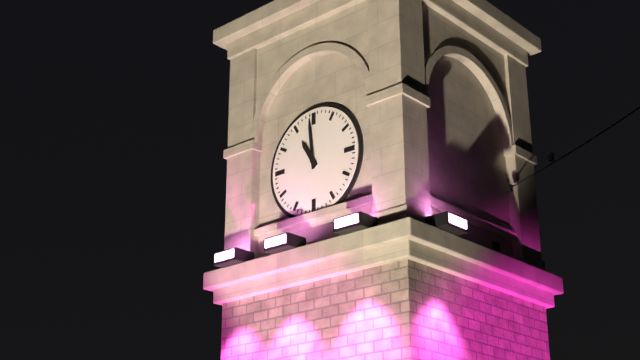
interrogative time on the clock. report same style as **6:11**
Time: **10:59**
